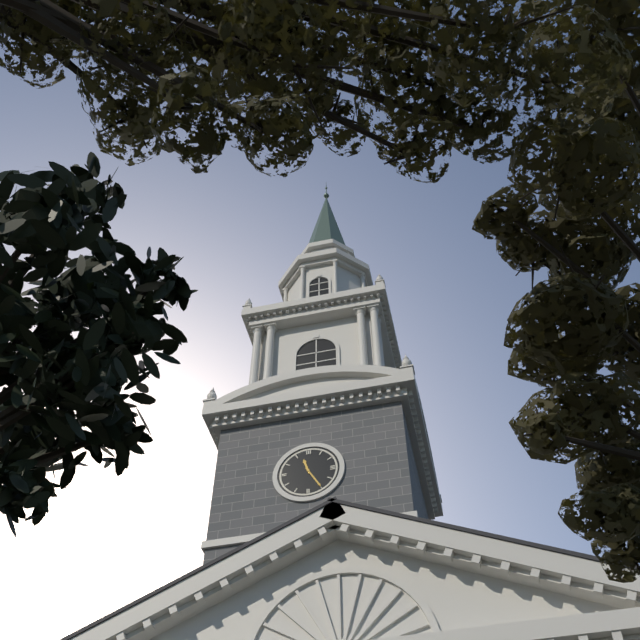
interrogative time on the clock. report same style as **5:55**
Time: **11:25**
